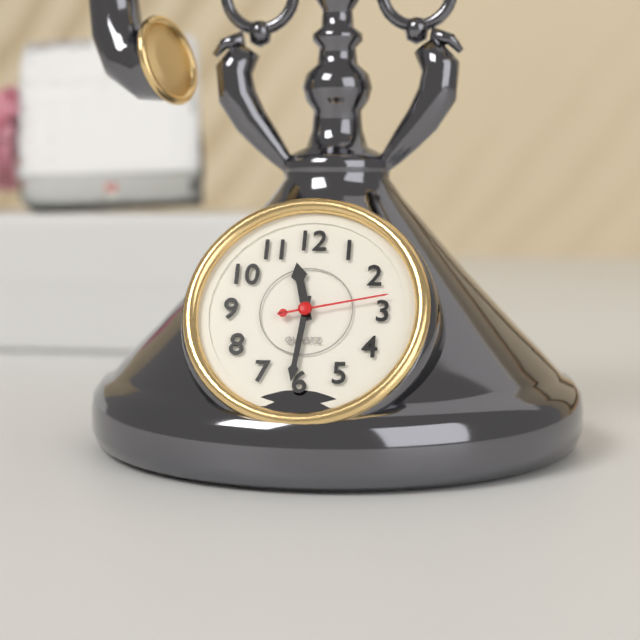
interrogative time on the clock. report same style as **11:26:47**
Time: **11:31:13**
